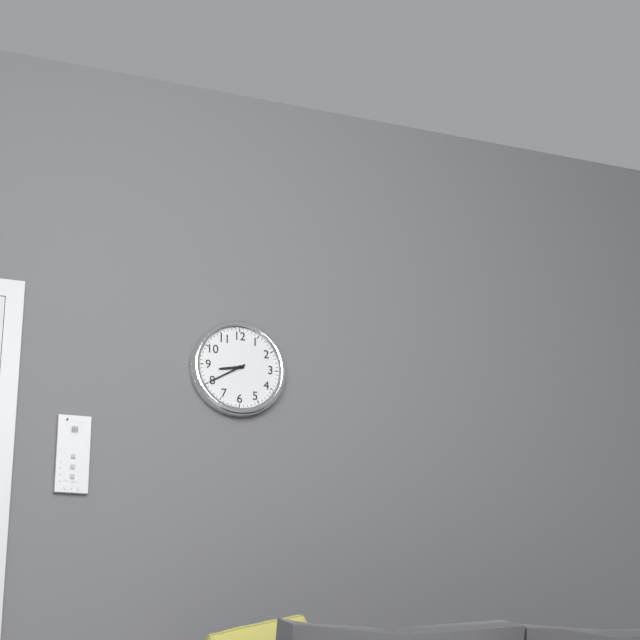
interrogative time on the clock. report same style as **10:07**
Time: **8:40**
